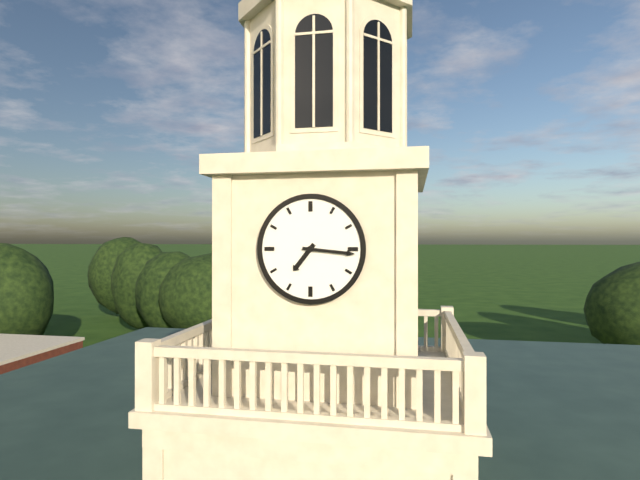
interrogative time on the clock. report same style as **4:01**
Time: **7:16**
